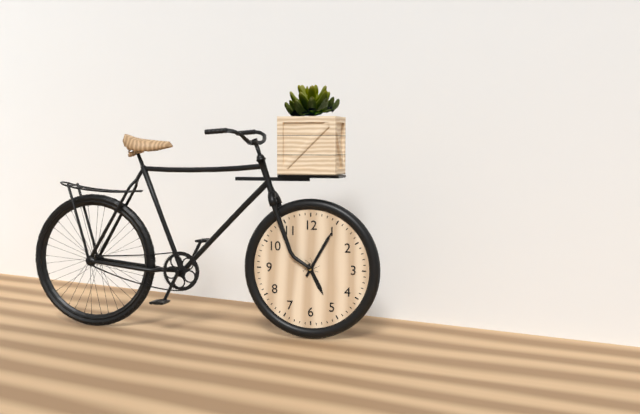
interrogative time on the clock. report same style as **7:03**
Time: **5:05**
